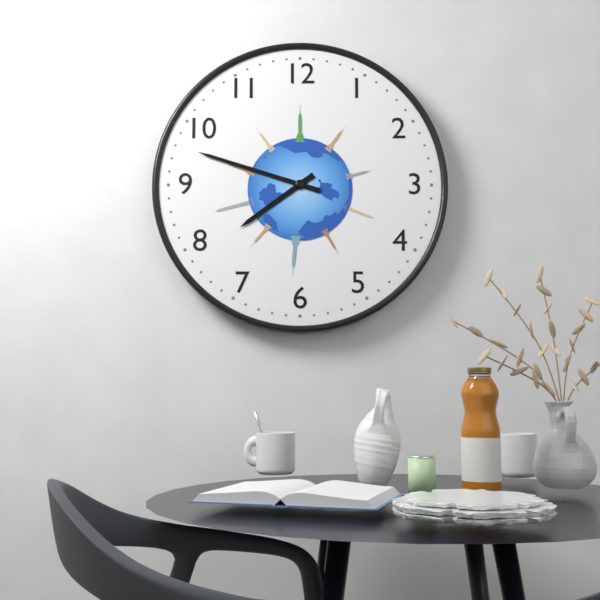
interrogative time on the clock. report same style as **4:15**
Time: **7:48**
